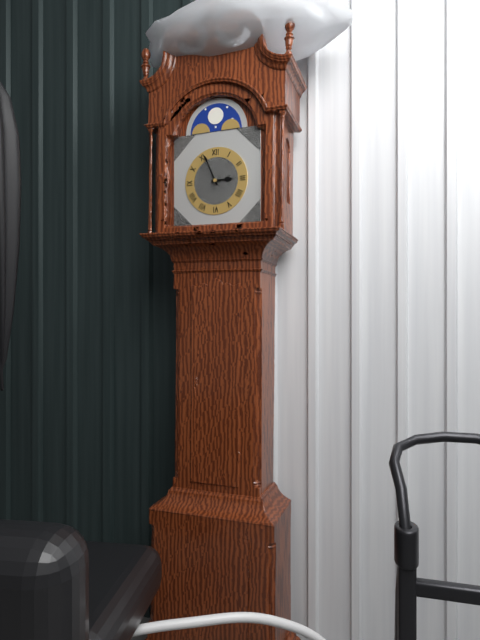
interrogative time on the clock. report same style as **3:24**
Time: **2:56**
